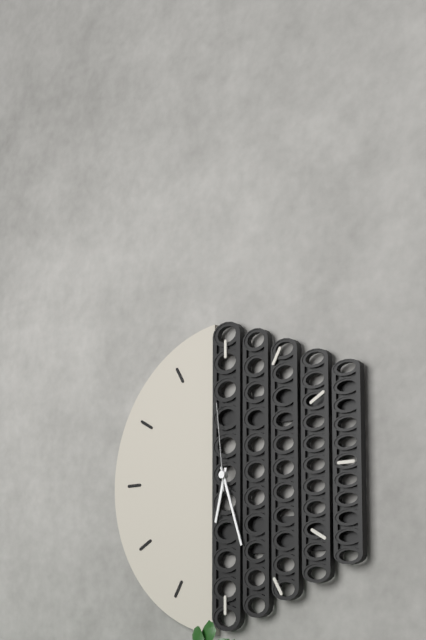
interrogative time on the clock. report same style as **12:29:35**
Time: **6:27:59**
